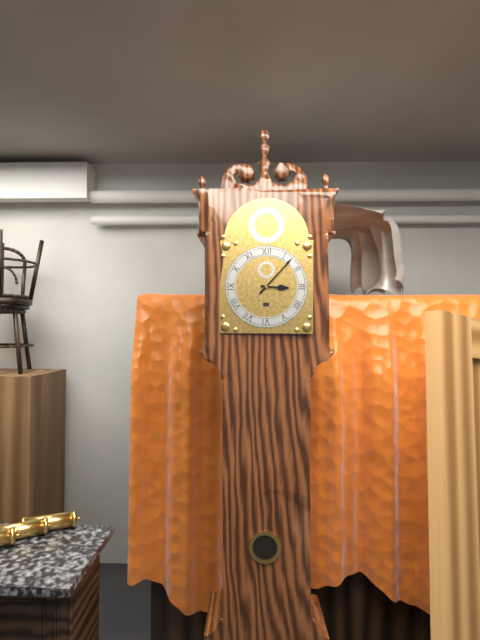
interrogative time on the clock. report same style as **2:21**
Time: **3:07**
